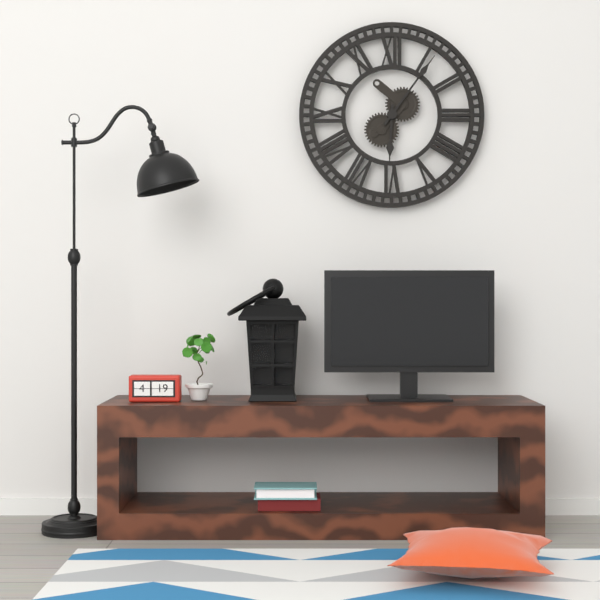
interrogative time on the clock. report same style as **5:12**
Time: **6:06**
